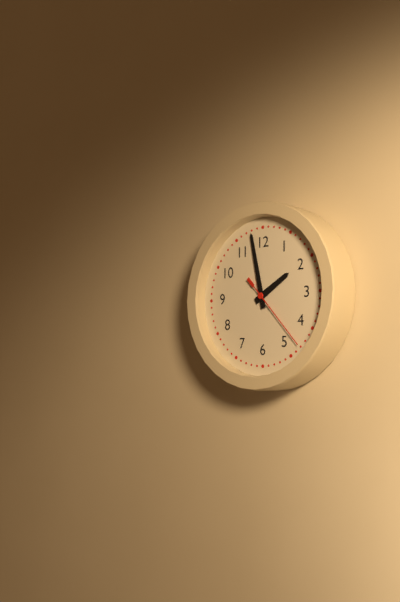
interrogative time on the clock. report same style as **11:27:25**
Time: **1:58:23**
